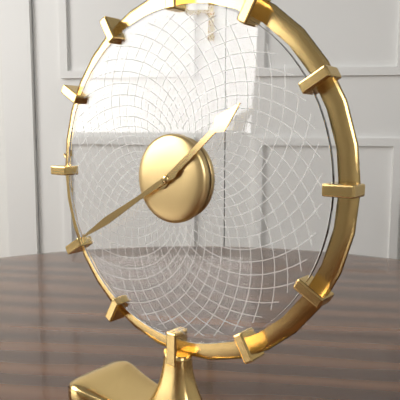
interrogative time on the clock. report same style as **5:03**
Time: **1:40**
